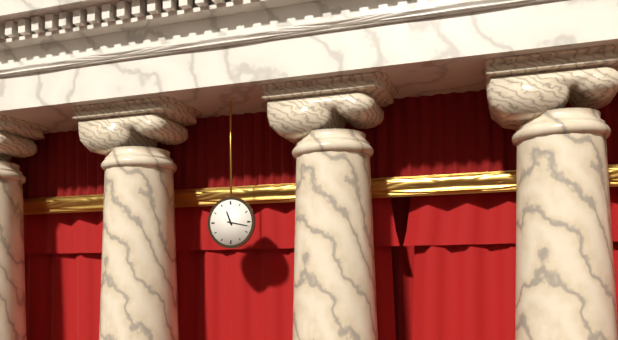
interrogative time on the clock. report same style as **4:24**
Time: **11:17**
